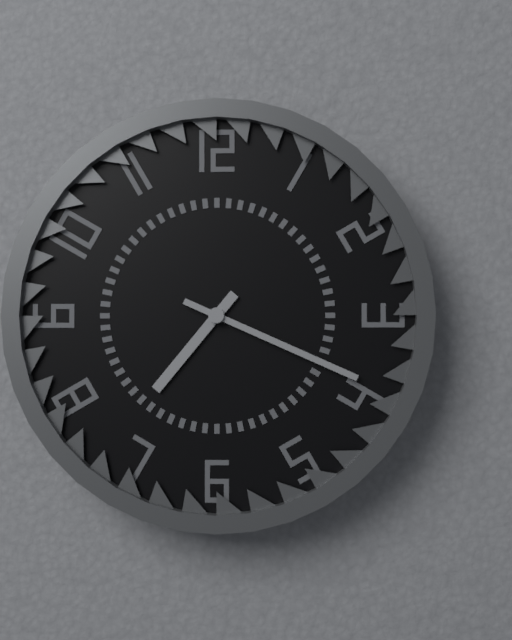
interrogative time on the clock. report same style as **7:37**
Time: **7:19**
